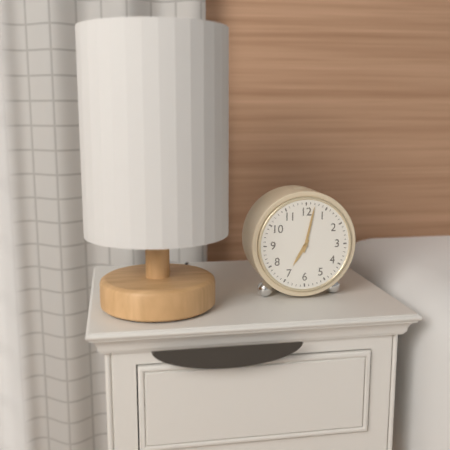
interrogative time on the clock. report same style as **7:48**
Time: **7:02**
